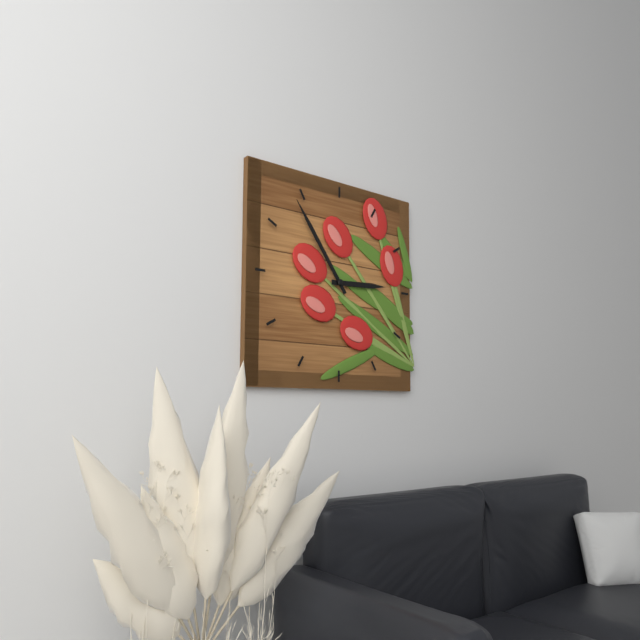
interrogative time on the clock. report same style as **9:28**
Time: **2:54**
